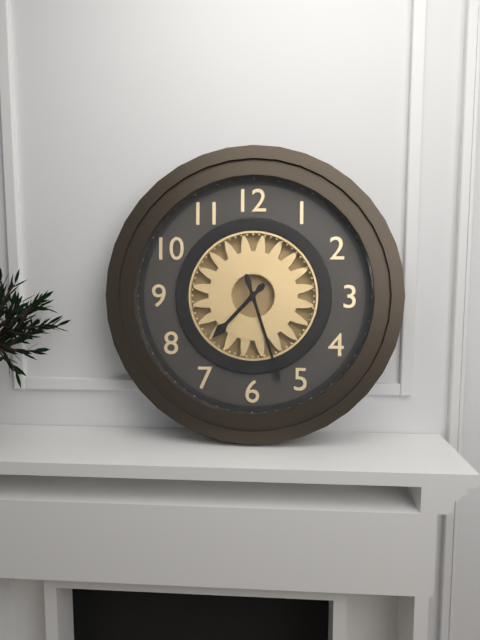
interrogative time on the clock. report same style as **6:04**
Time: **7:27**
